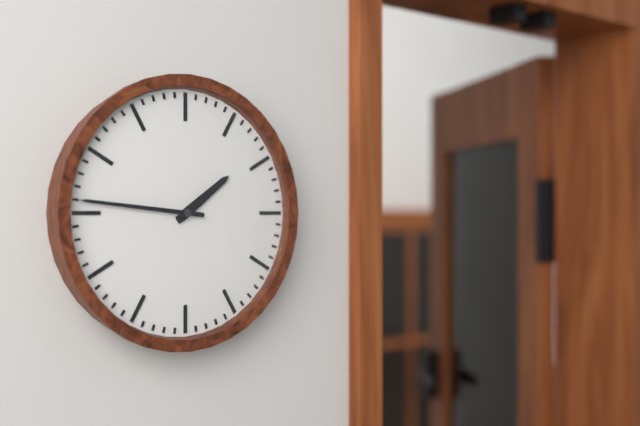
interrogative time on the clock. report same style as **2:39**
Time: **1:46**
